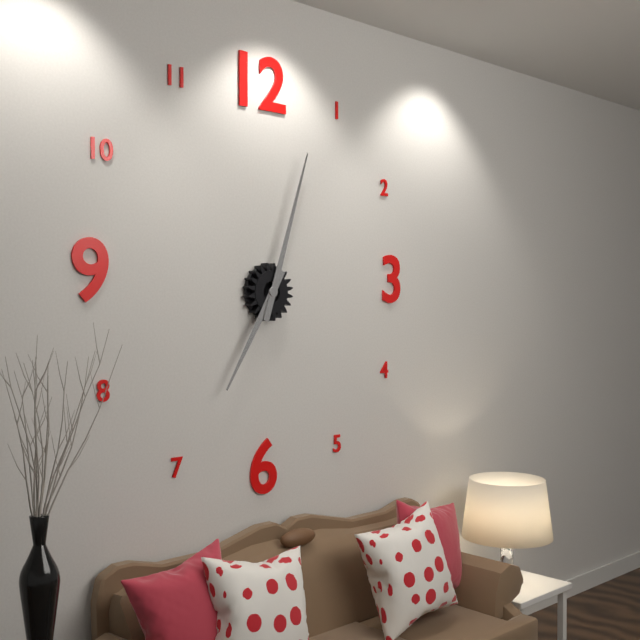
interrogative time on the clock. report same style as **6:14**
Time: **7:03**
